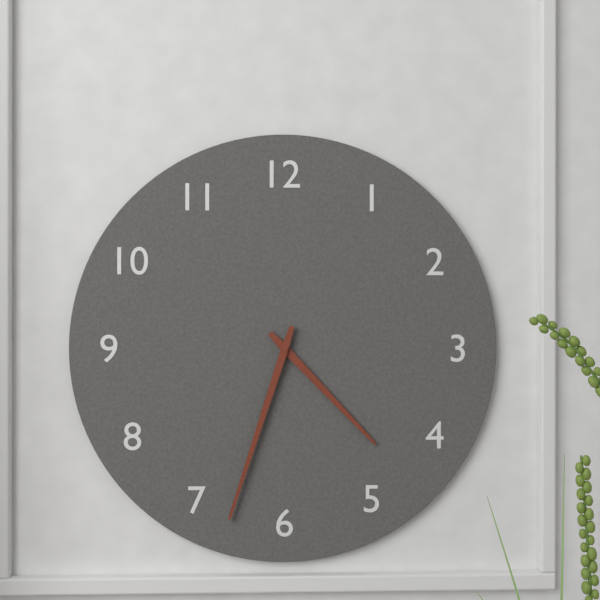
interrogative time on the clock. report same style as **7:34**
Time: **4:33**
